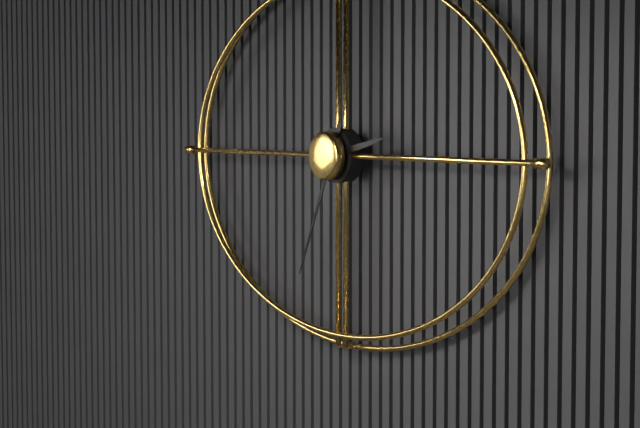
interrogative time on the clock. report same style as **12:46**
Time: **2:34**
